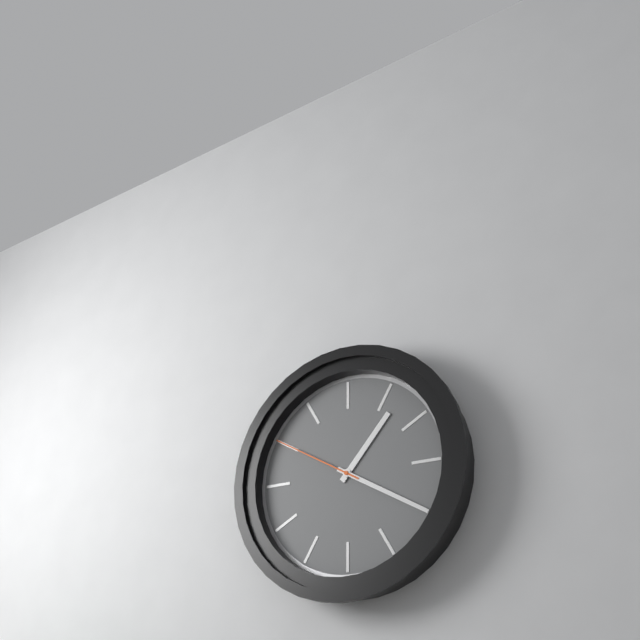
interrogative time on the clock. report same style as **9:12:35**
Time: **1:20:50**
